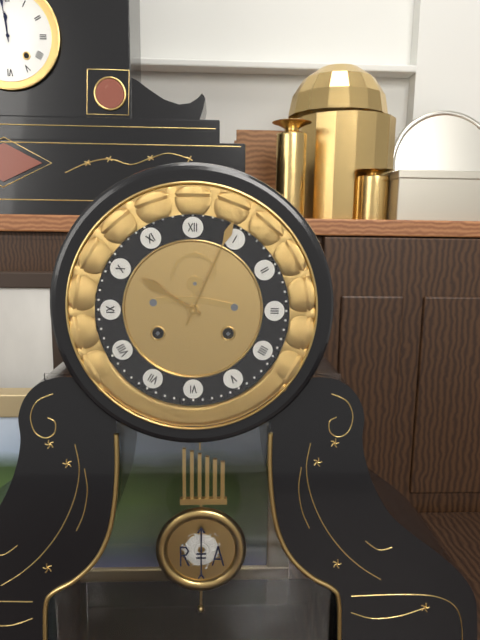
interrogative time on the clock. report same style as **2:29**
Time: **10:04**
